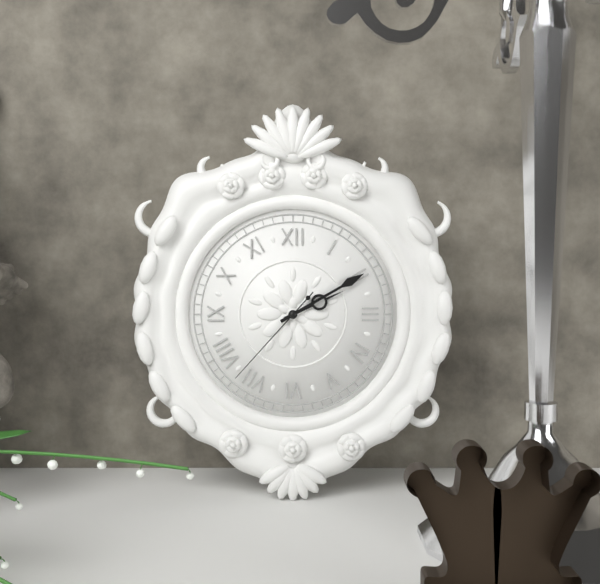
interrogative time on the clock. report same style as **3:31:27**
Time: **2:10:37**
